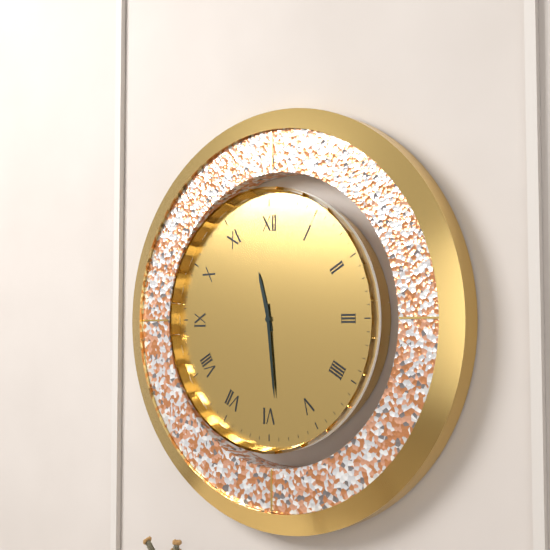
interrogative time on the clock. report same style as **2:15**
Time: **11:29**
